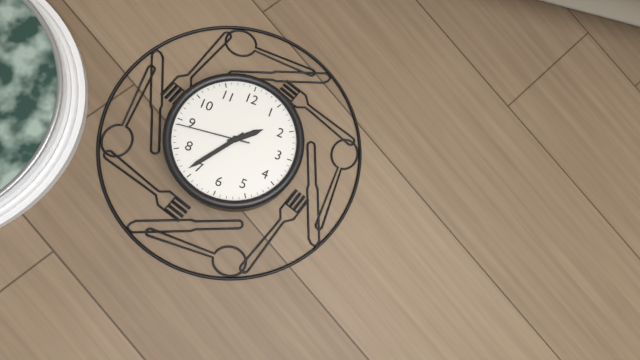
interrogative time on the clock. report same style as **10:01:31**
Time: **1:36:44**
